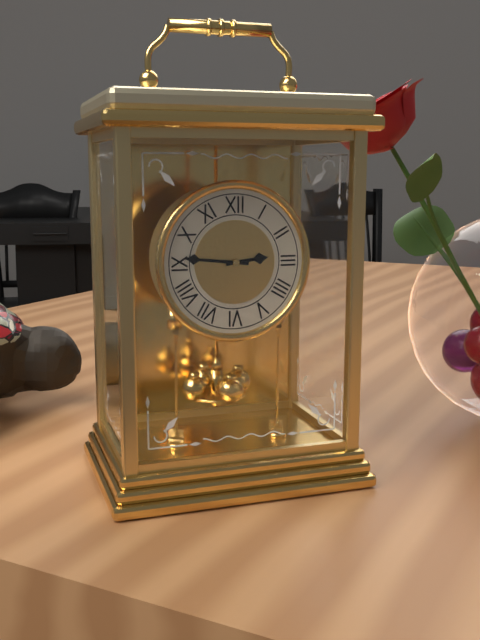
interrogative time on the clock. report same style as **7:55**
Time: **2:46**
